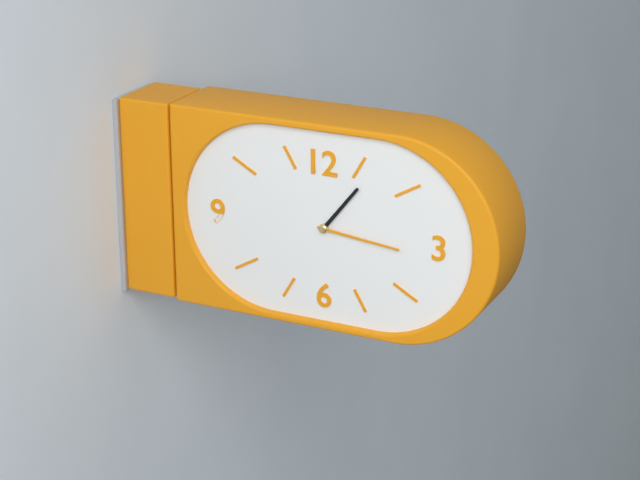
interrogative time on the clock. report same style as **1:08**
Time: **1:16**
